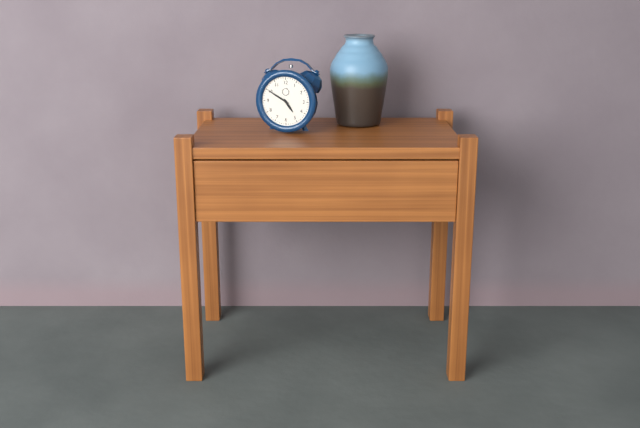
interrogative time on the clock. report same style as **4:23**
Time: **4:50**
